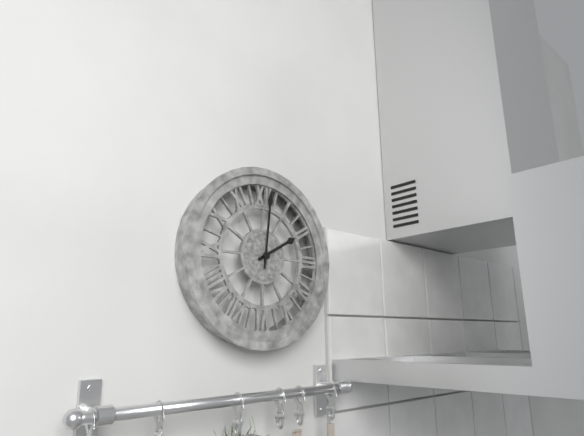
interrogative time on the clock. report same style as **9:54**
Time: **2:01**
